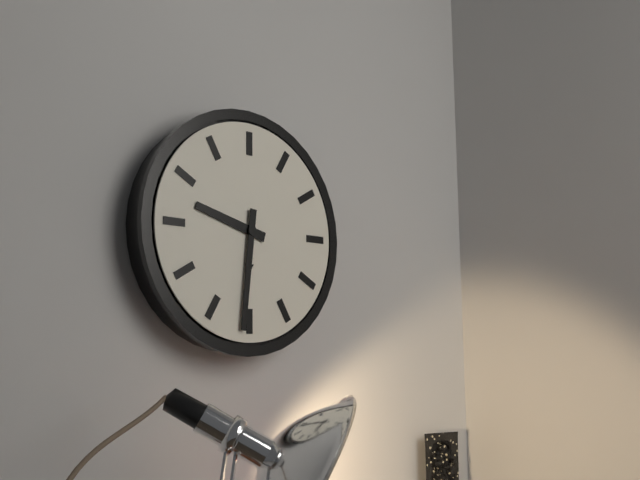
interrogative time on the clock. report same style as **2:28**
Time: **9:31**
